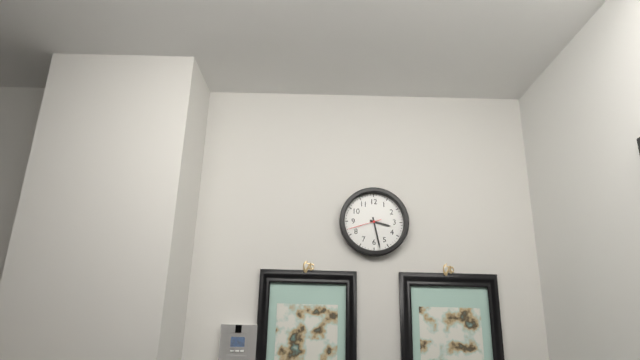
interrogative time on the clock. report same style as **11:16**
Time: **3:28**
